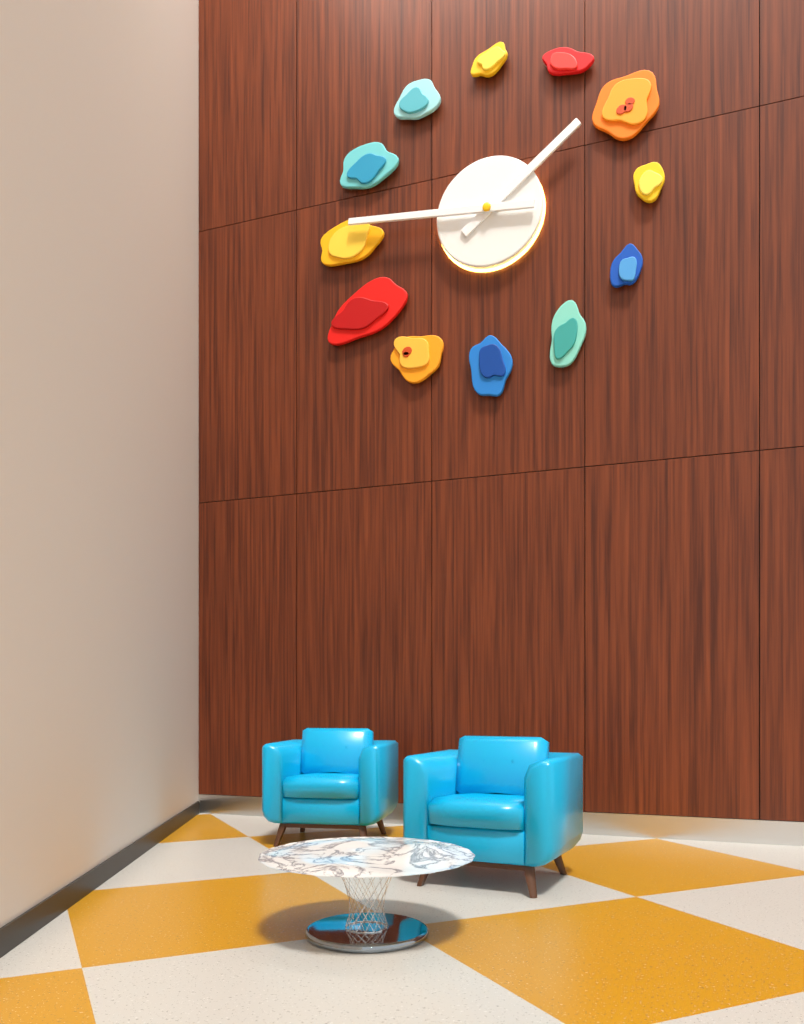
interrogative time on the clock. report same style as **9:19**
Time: **1:46**
